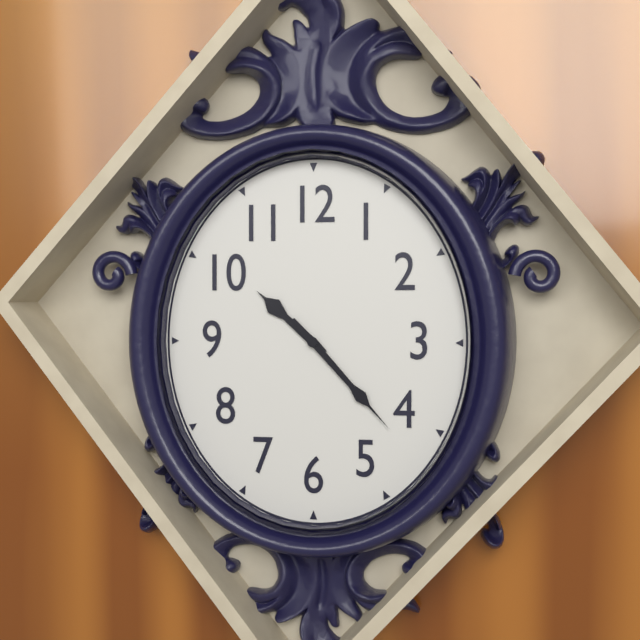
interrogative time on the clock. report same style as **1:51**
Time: **10:23**
